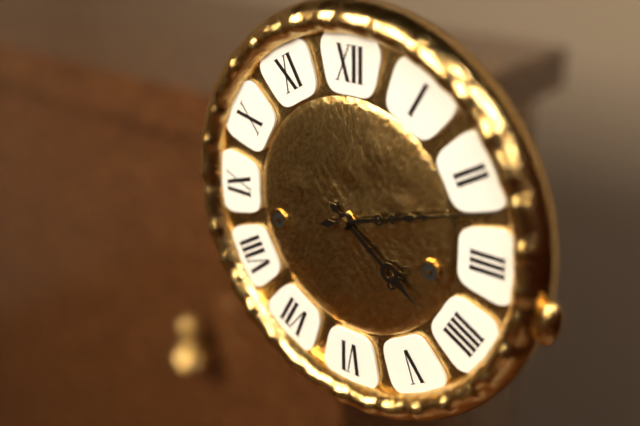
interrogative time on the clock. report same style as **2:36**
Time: **4:12**
